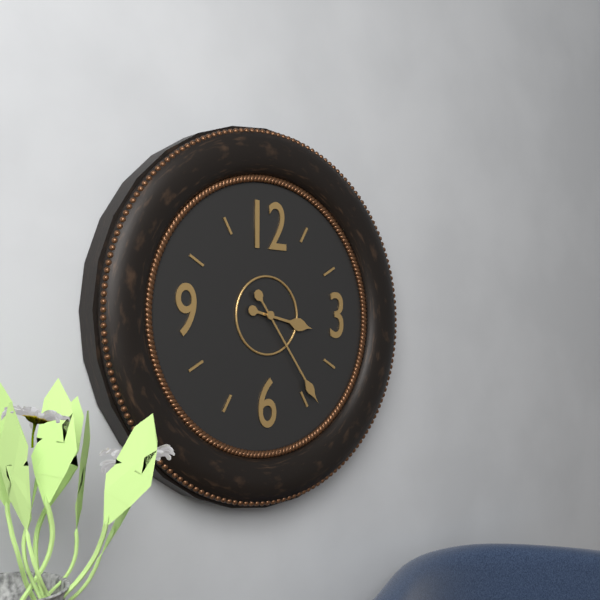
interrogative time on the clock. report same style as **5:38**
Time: **3:24**
